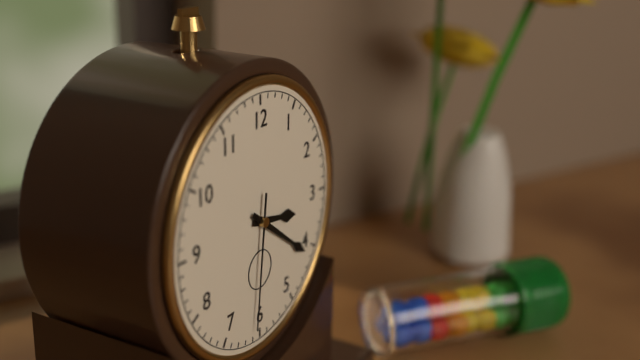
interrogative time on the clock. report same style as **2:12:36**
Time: **3:21:31**
